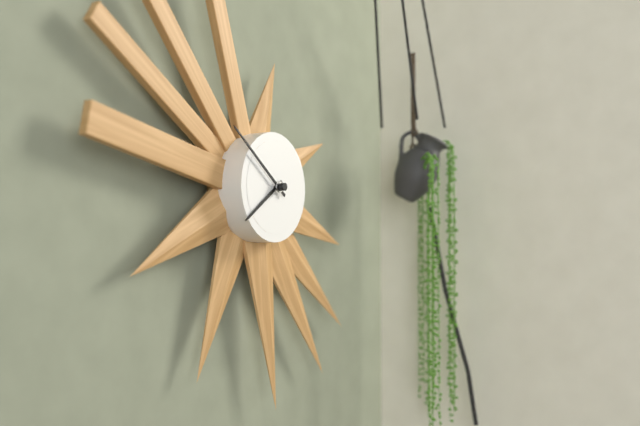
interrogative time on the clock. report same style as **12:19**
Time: **7:51**
